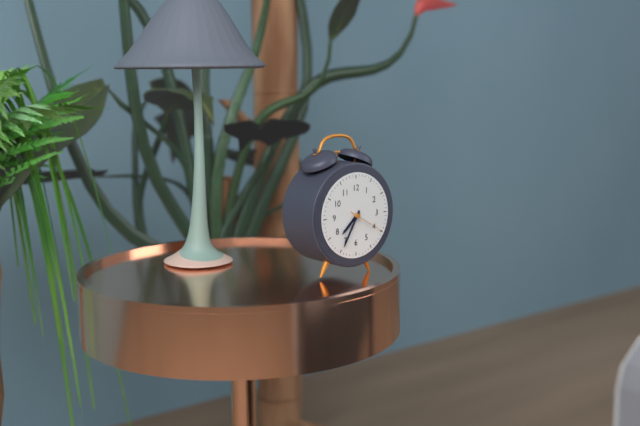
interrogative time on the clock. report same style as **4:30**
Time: **7:35**
